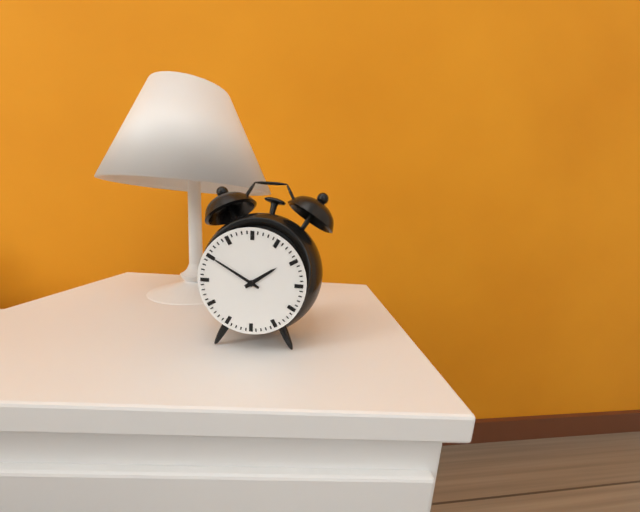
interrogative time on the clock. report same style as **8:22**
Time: **1:50**
